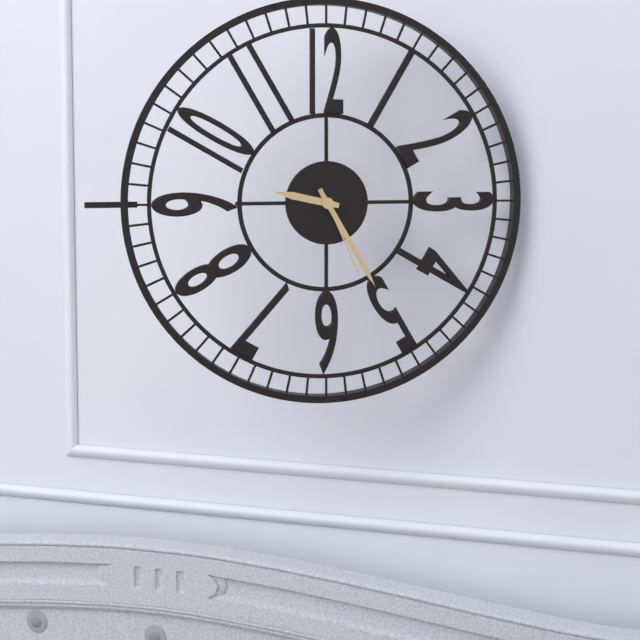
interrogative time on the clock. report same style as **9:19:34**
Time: **9:25:26**
